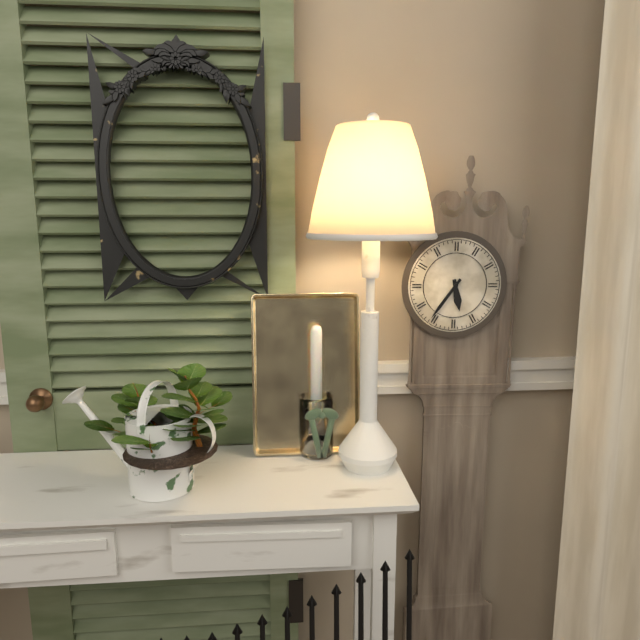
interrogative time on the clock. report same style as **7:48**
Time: **5:36**
